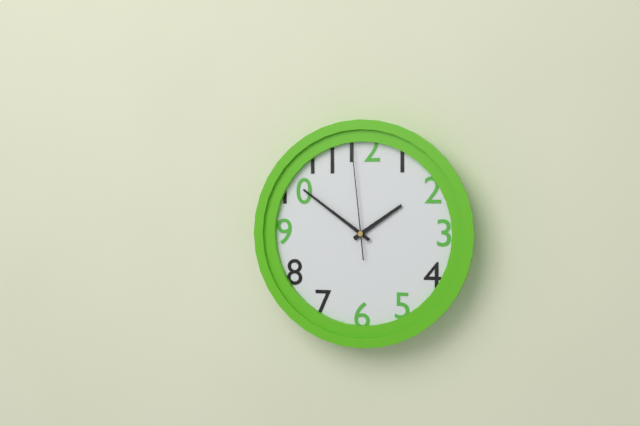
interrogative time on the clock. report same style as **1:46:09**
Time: **1:51:59**
